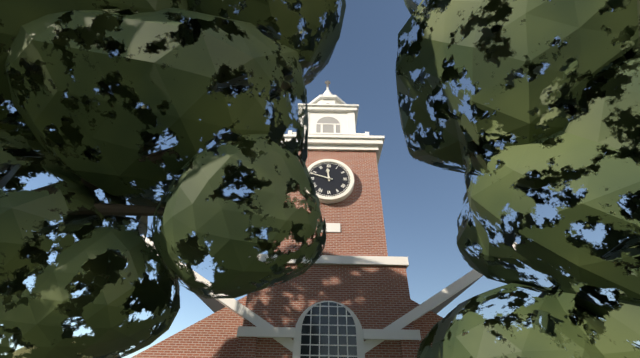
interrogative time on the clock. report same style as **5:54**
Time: **11:48**
